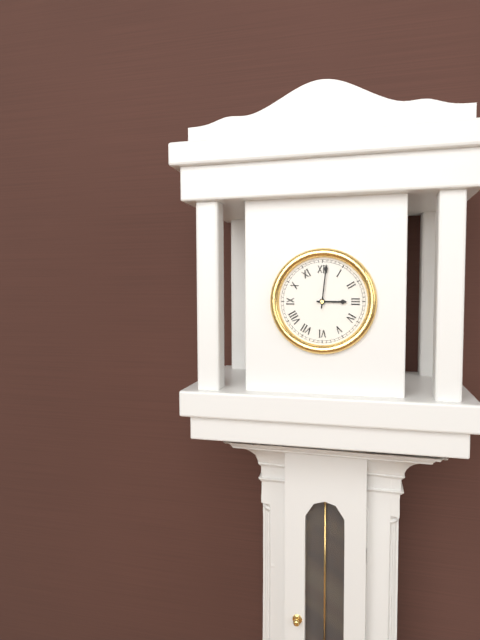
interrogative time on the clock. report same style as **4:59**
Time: **3:01**
